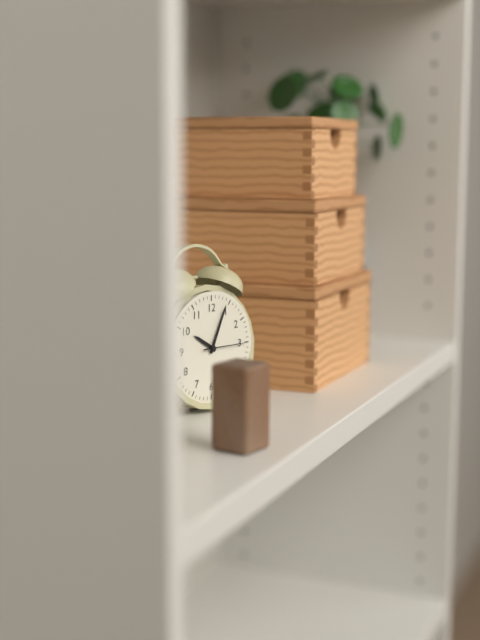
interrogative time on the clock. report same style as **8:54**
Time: **10:04**
